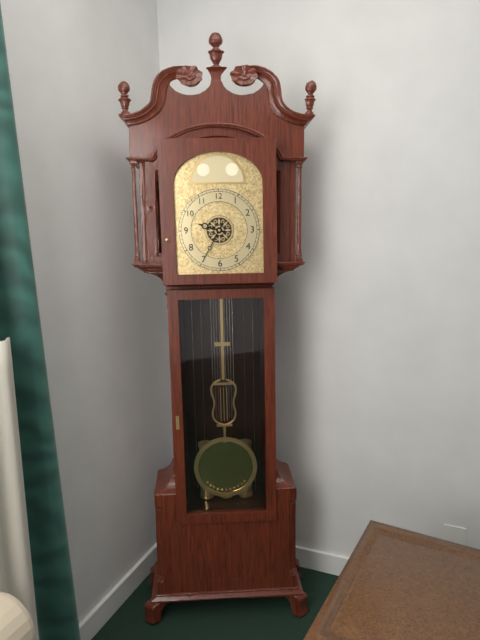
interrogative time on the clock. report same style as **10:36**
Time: **9:35**
